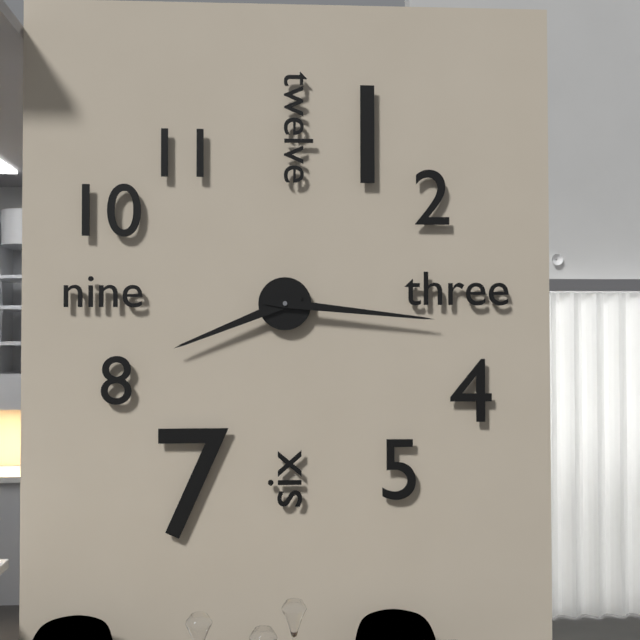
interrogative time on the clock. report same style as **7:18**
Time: **8:16**
